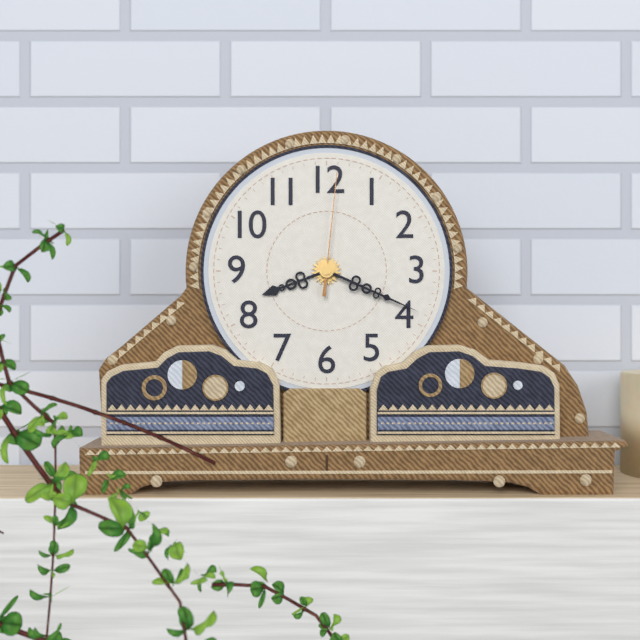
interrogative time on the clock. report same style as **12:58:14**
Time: **8:19:01**
